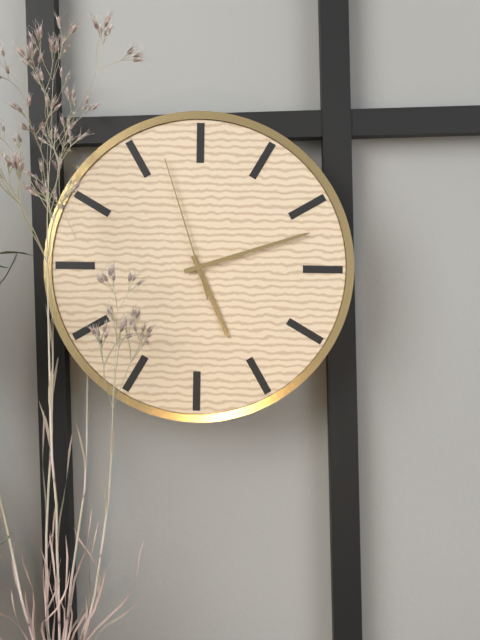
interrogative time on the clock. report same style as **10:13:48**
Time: **5:12:57**
